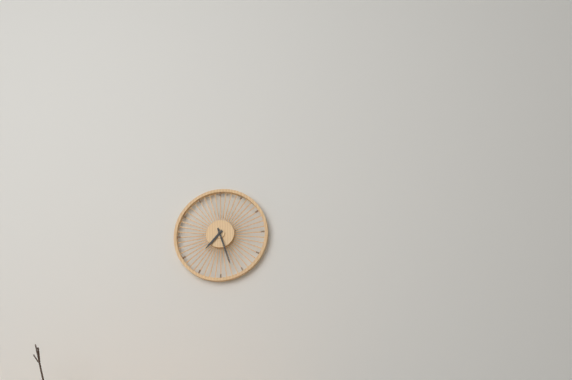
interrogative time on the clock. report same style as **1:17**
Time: **7:27**
